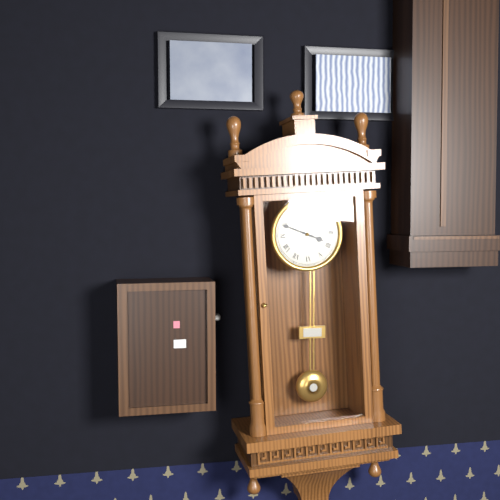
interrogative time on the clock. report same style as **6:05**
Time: **3:49**
